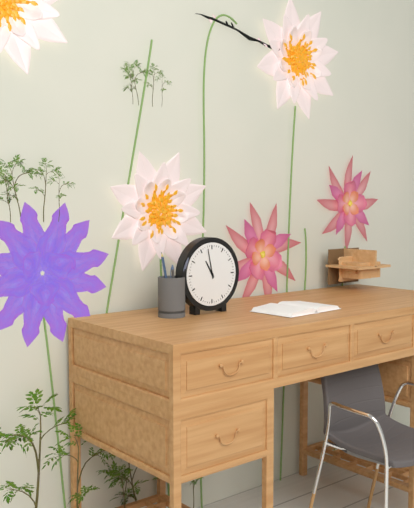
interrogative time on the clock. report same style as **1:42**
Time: **10:58**
